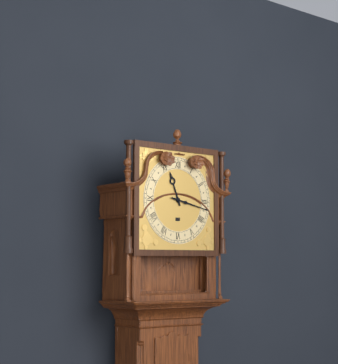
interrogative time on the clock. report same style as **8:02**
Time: **11:17**
